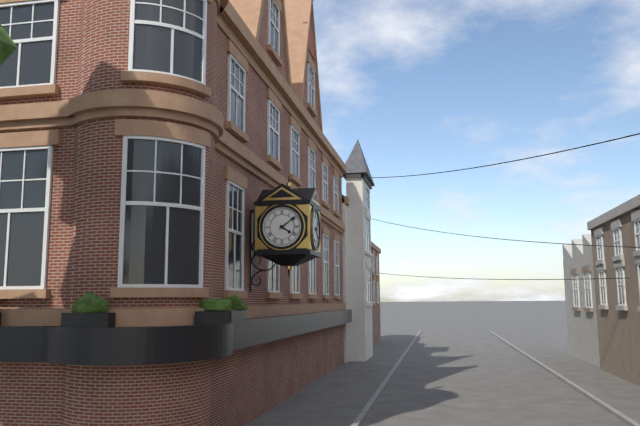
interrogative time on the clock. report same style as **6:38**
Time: **4:09**
